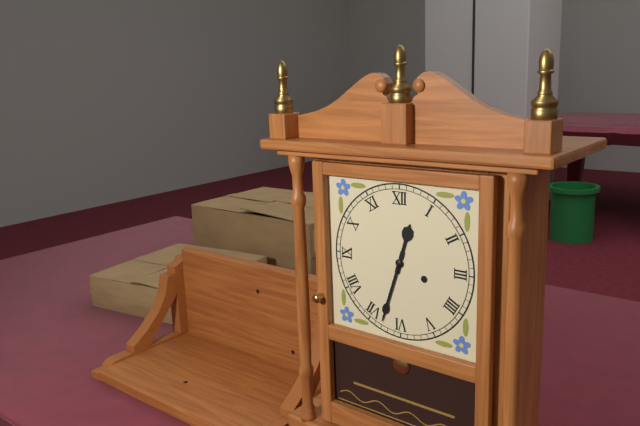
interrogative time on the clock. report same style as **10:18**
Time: **12:33**
